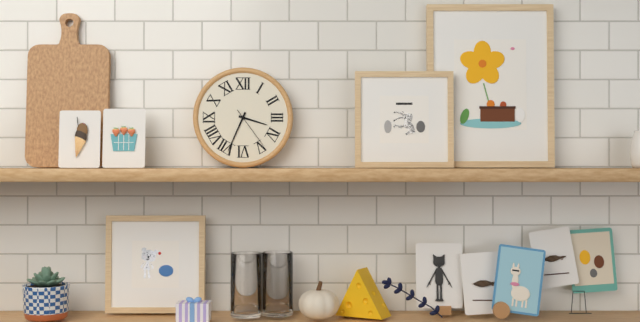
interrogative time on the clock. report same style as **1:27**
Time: **3:34**
